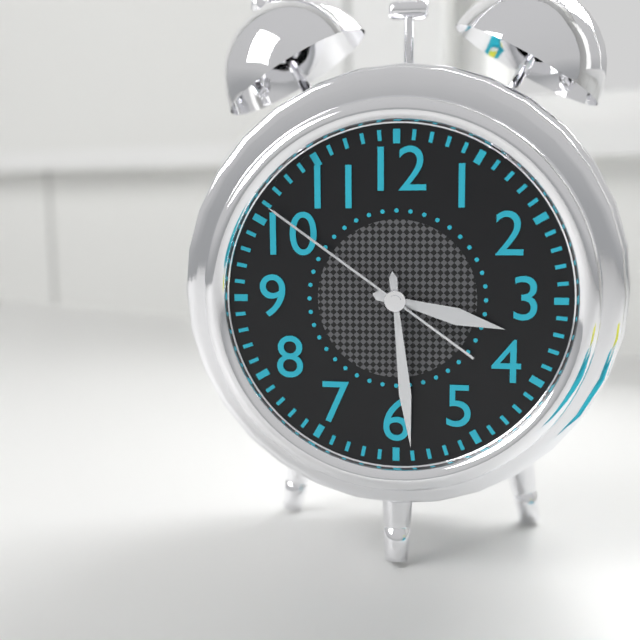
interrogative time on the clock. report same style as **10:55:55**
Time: **3:29:51**
